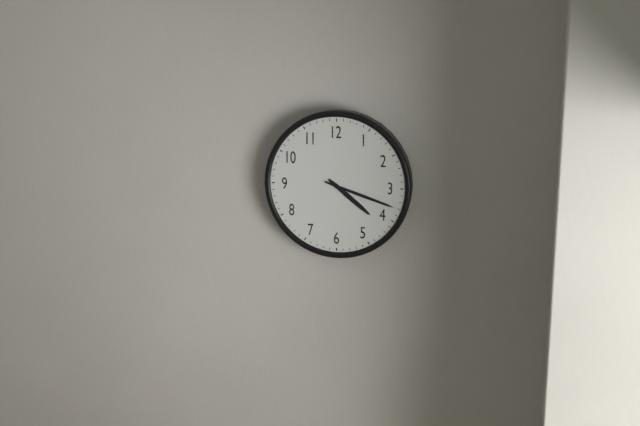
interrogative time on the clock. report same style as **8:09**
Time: **4:18**
